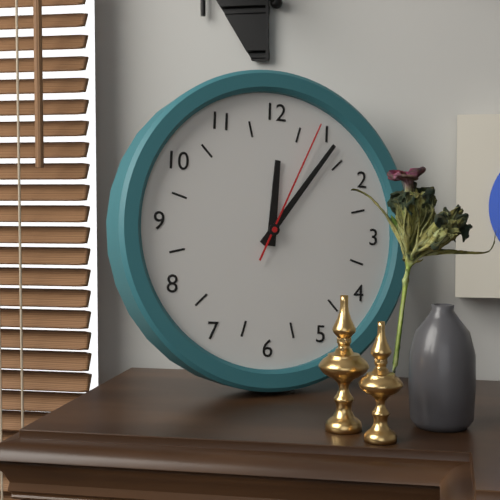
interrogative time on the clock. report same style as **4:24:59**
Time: **12:06:04**
